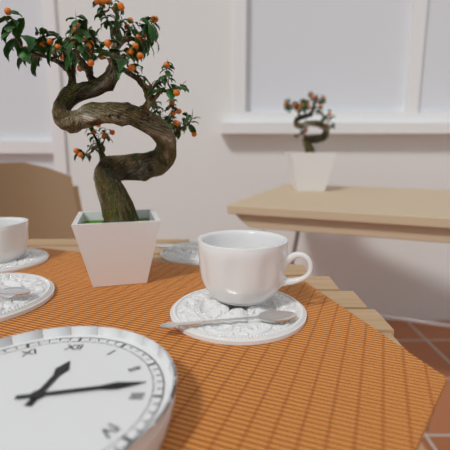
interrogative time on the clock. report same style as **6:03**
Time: **12:13**
